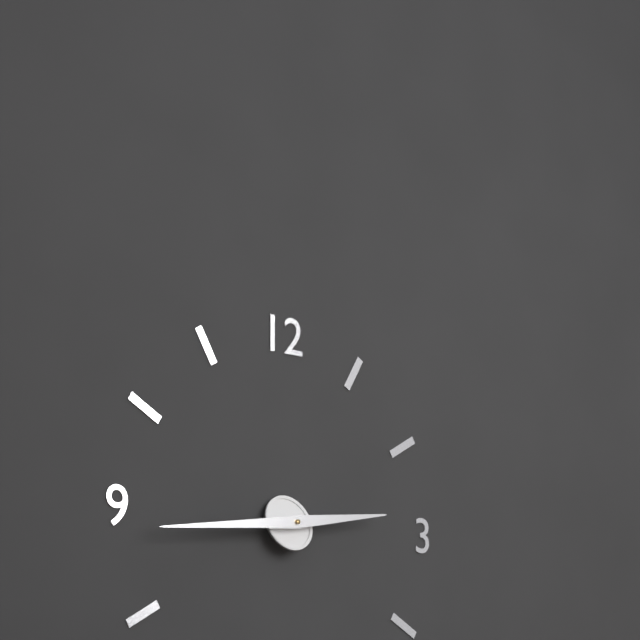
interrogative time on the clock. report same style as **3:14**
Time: **2:44**
